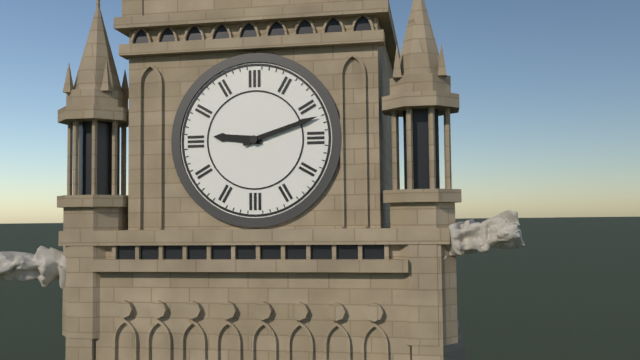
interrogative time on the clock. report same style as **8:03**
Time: **9:12**
